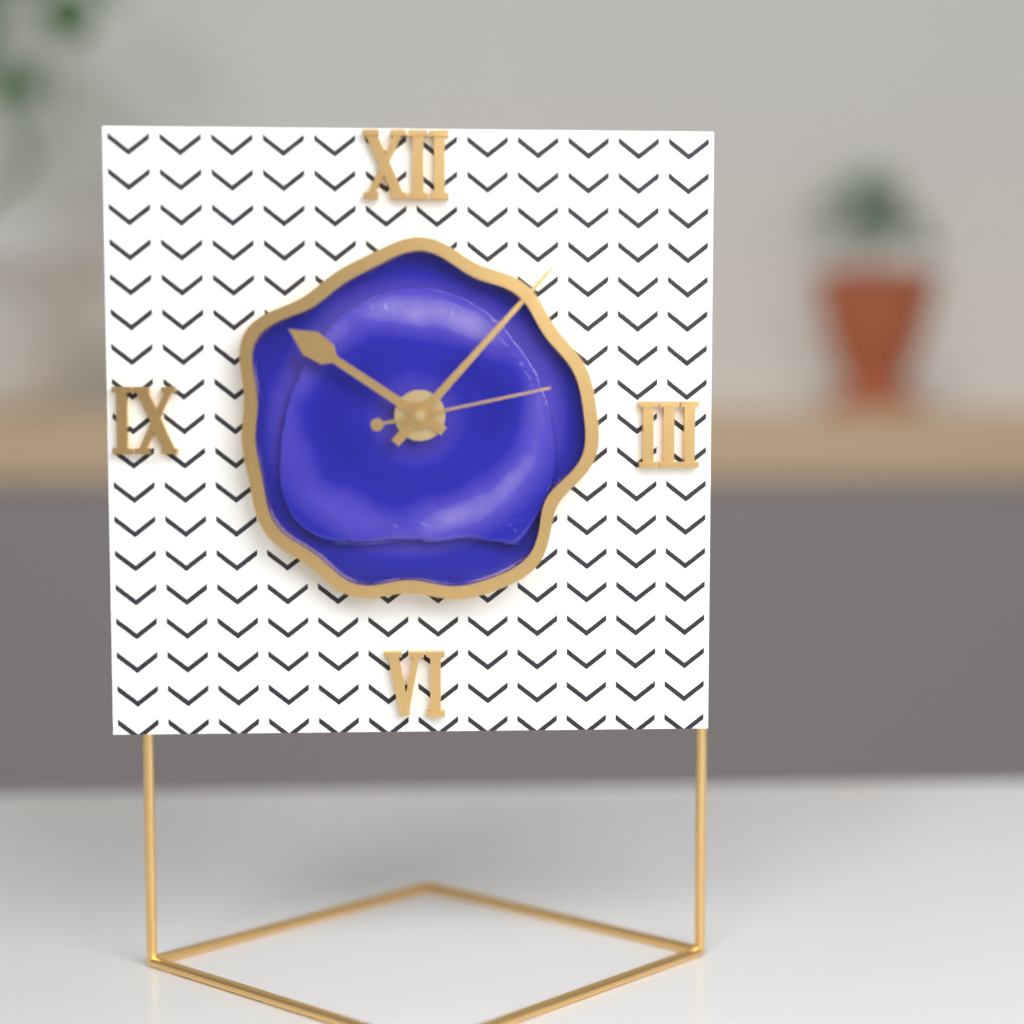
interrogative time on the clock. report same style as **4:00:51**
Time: **10:07:13**
